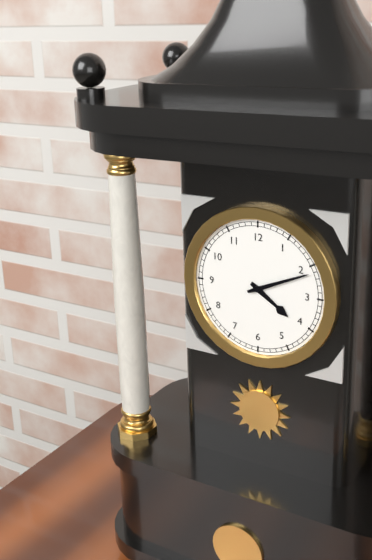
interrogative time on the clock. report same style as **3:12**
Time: **4:11**
